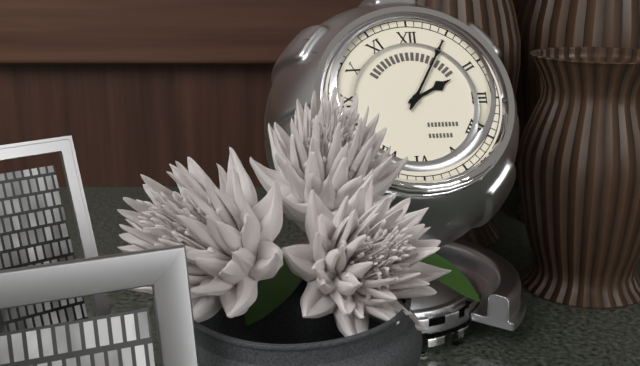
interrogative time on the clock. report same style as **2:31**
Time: **2:05**
